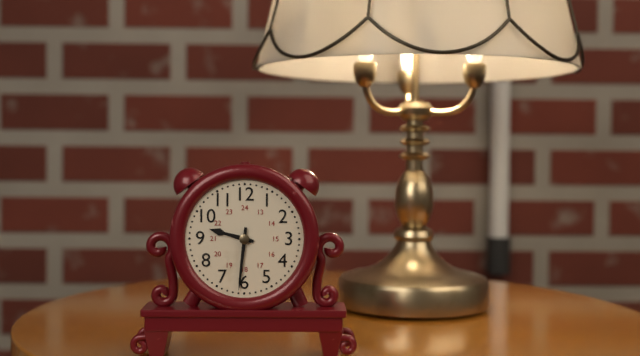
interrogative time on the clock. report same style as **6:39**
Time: **9:31**
